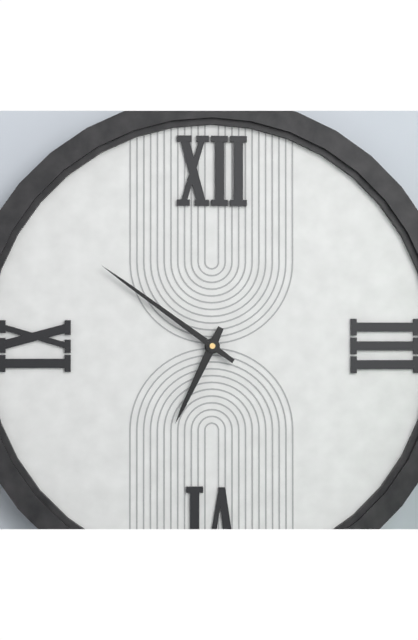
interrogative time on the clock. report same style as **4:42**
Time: **6:51**
